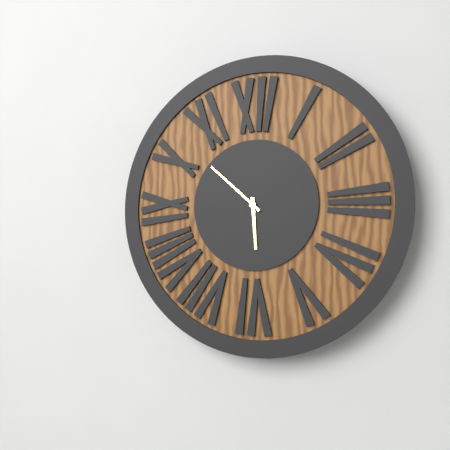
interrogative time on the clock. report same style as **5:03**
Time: **5:52**
